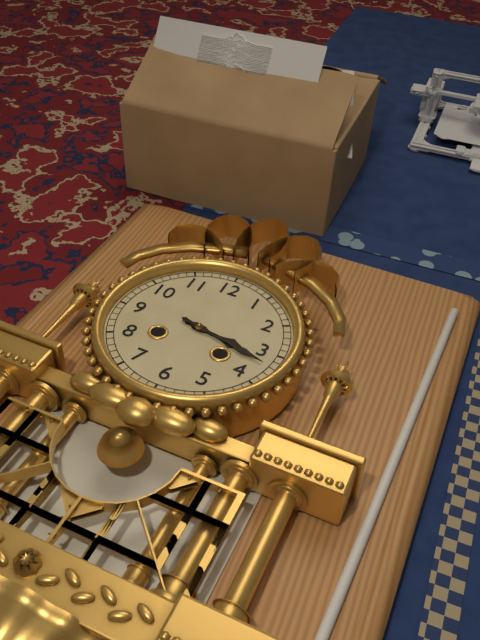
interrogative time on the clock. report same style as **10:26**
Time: **3:17**
